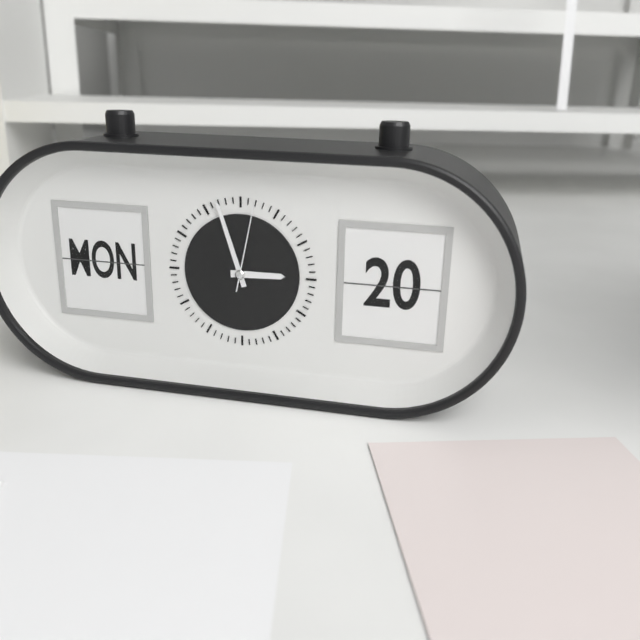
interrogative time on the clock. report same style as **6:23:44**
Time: **2:57:02**
